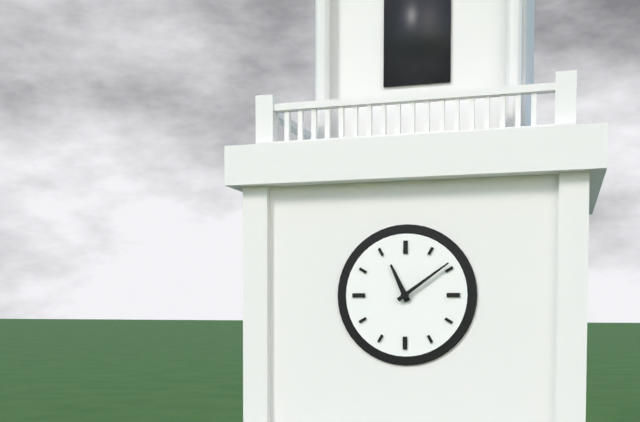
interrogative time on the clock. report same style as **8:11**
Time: **11:09**
